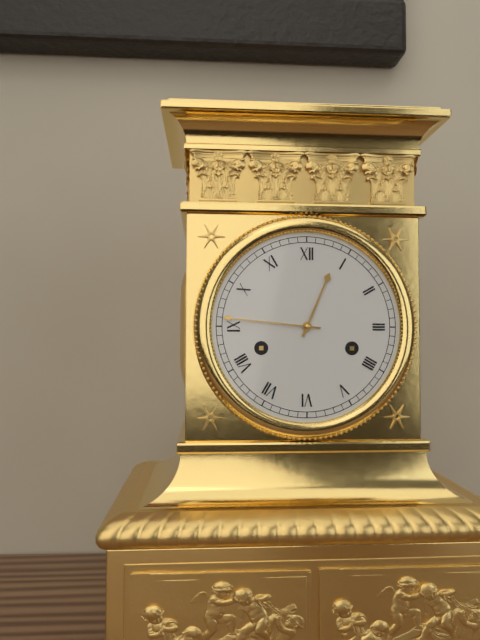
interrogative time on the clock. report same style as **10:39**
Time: **12:46**
